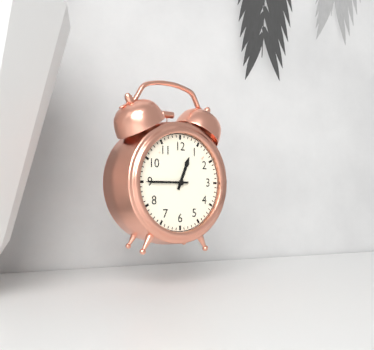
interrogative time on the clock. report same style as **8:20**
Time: **12:45**
